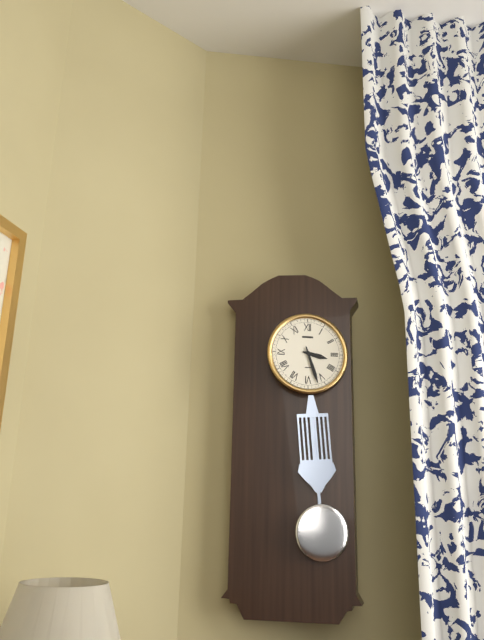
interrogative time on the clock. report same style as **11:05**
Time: **3:27**
